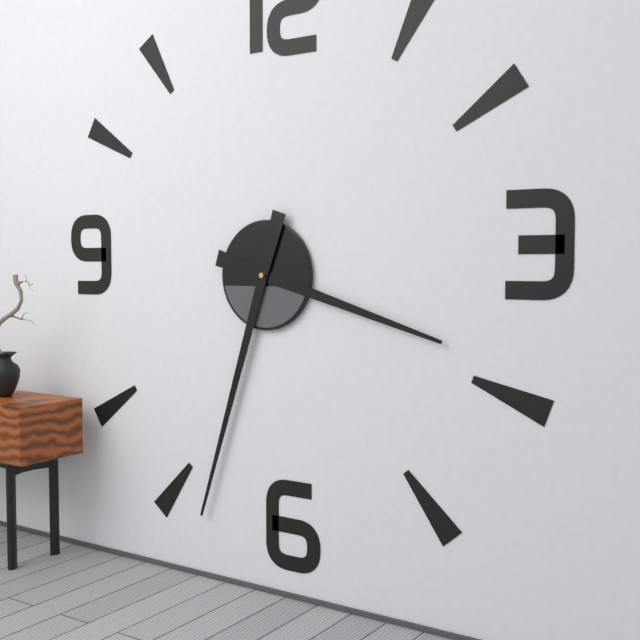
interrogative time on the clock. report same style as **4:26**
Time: **3:33**
